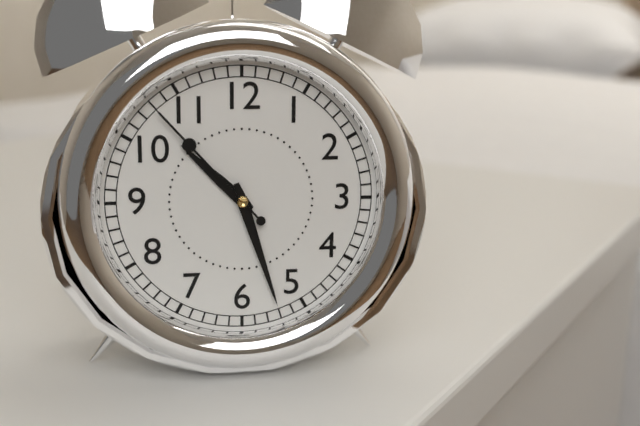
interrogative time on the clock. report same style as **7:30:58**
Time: **10:27:53**
